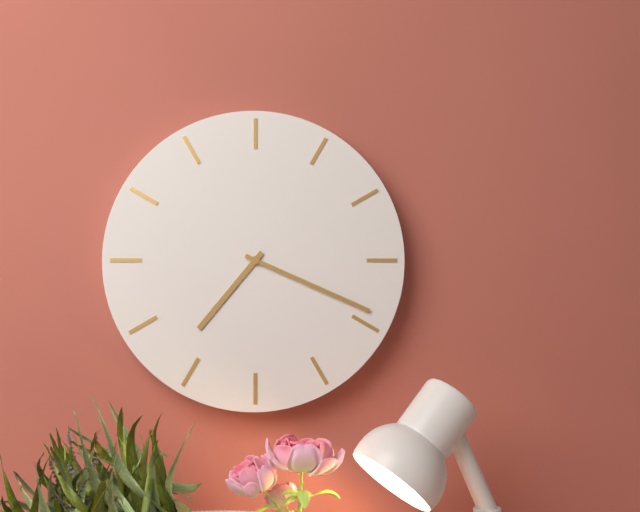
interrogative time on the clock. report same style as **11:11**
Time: **7:19**
